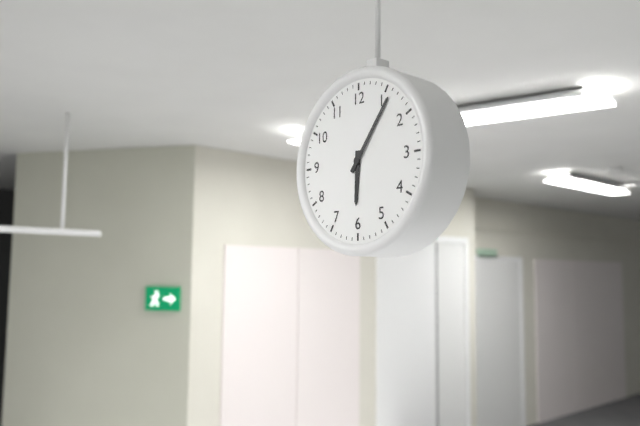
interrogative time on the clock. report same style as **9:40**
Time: **6:06**
